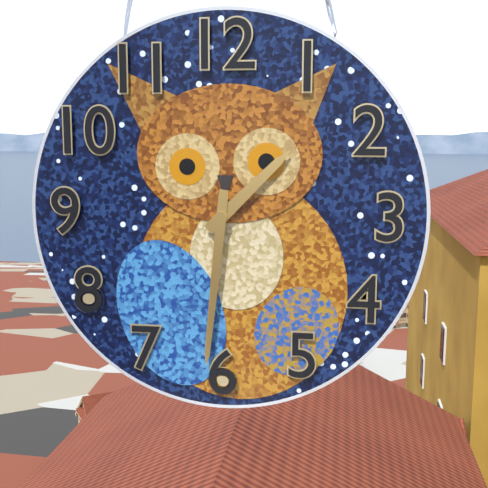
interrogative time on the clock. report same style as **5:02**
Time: **1:31**
